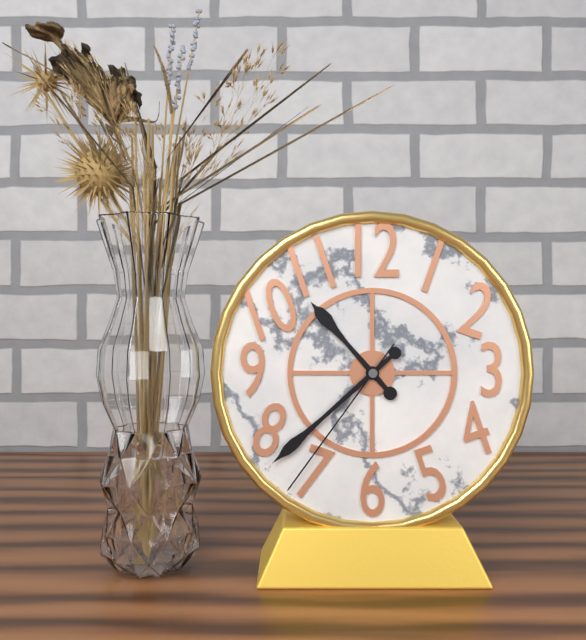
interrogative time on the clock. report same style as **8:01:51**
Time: **10:38:36**
